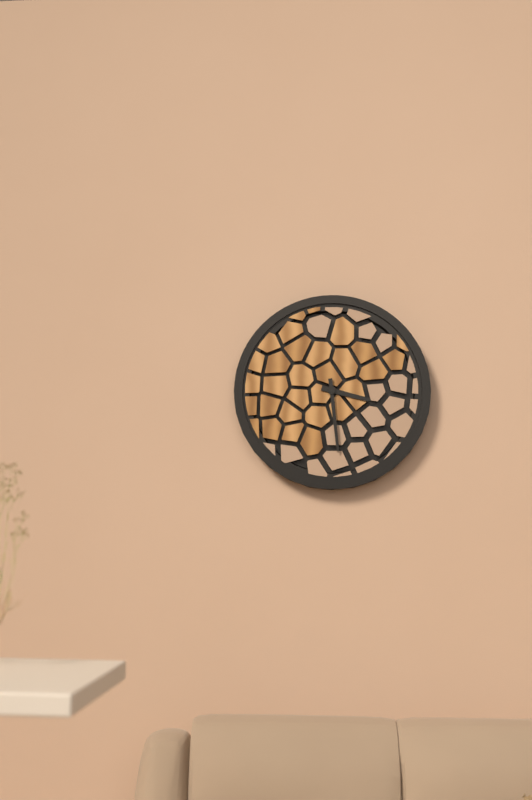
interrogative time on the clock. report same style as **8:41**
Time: **3:29**
